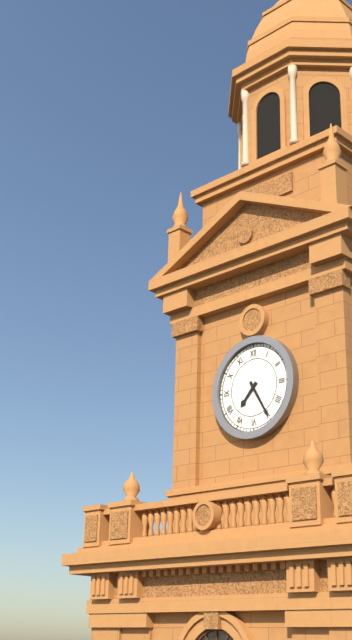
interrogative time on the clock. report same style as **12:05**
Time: **7:25**
